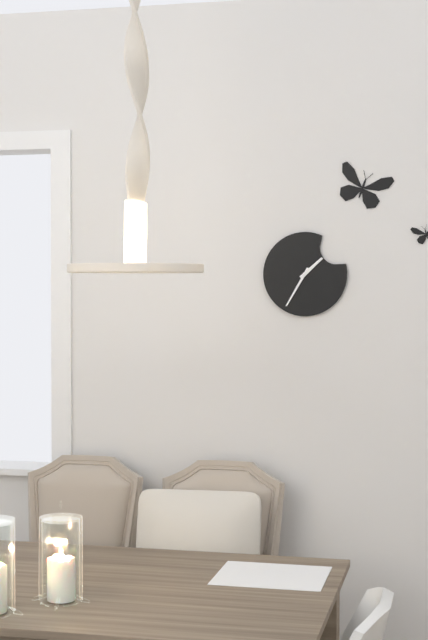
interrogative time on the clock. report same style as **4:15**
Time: **1:35**
